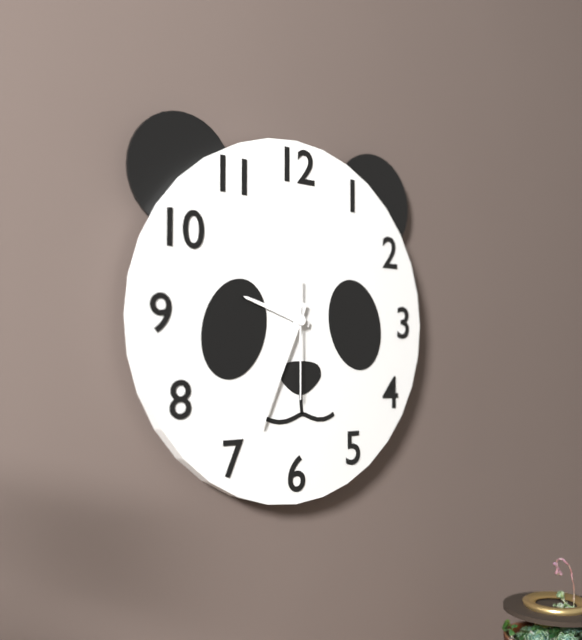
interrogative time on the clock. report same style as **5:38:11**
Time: **9:34:30**
